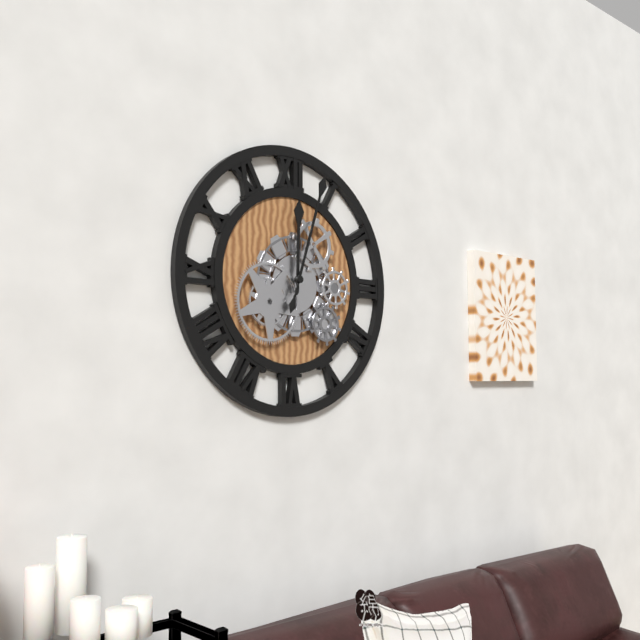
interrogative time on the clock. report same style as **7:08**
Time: **12:03**
